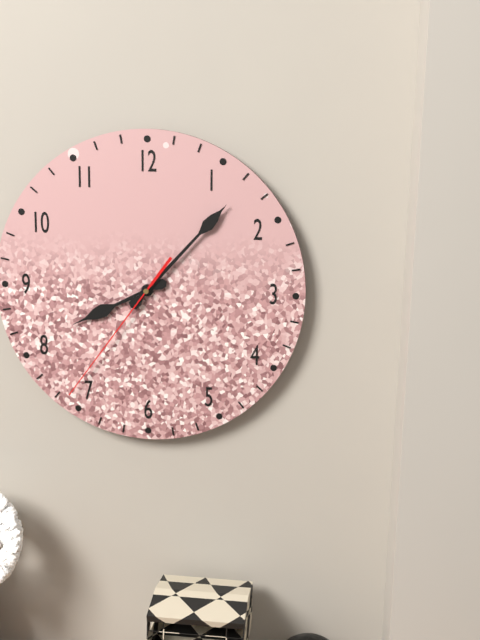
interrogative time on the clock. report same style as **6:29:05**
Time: **8:07:36**
